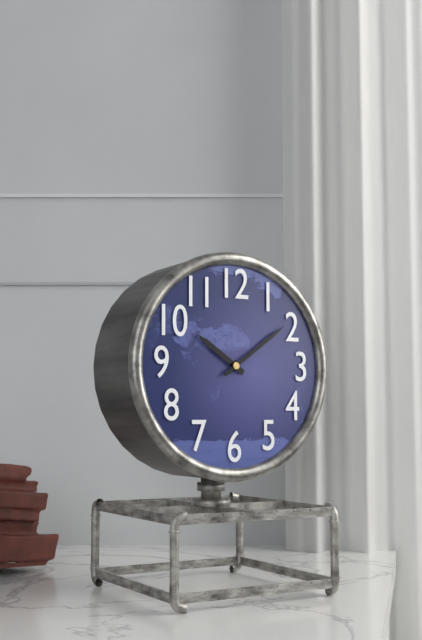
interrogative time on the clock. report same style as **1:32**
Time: **10:09**
